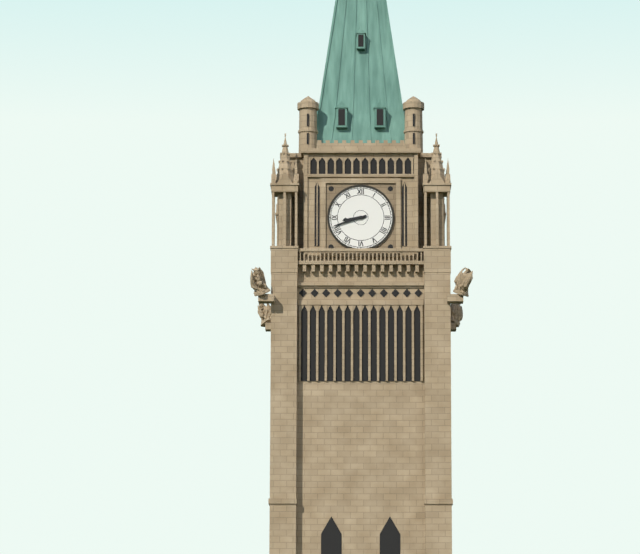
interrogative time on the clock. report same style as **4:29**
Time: **8:42**
